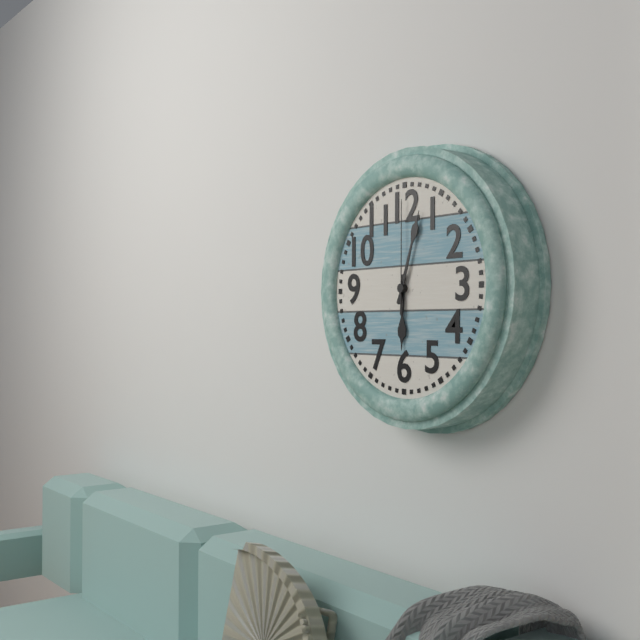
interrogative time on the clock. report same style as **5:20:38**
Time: **6:03:00**
